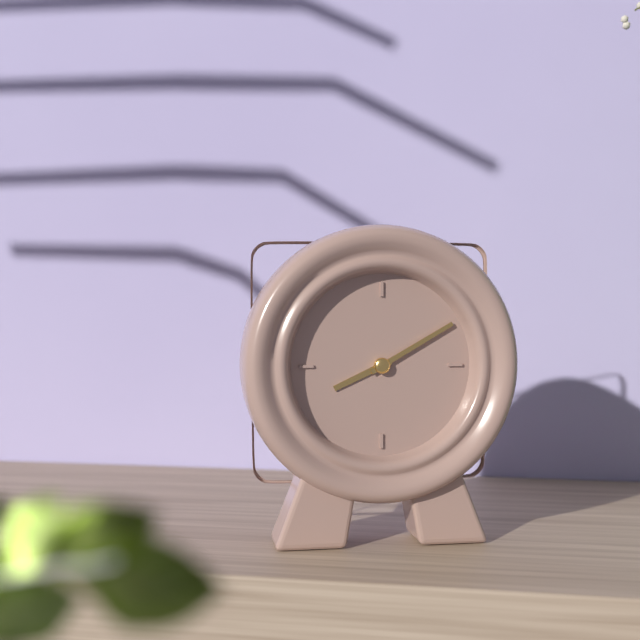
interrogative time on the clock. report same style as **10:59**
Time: **8:10**
